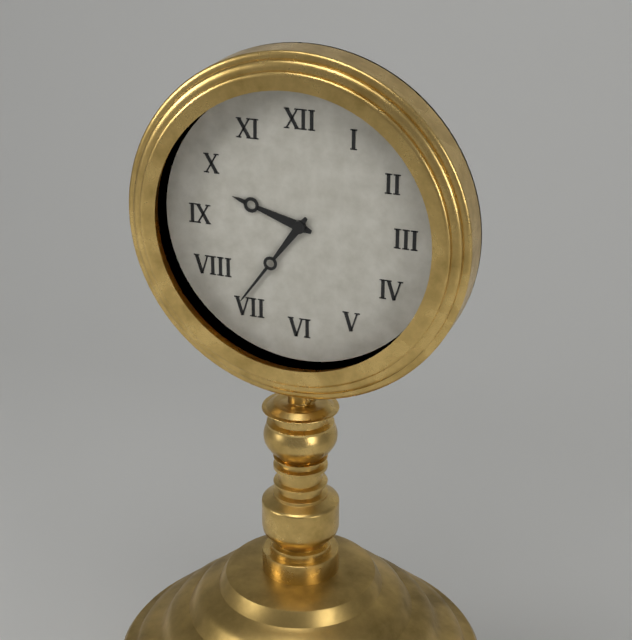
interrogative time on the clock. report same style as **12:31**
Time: **9:36**
